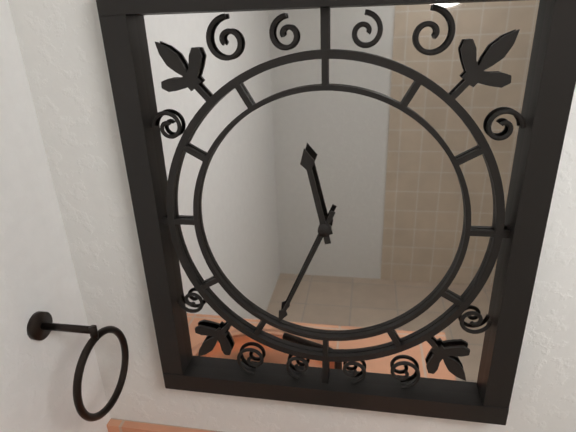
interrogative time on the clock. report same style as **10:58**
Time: **11:34**
